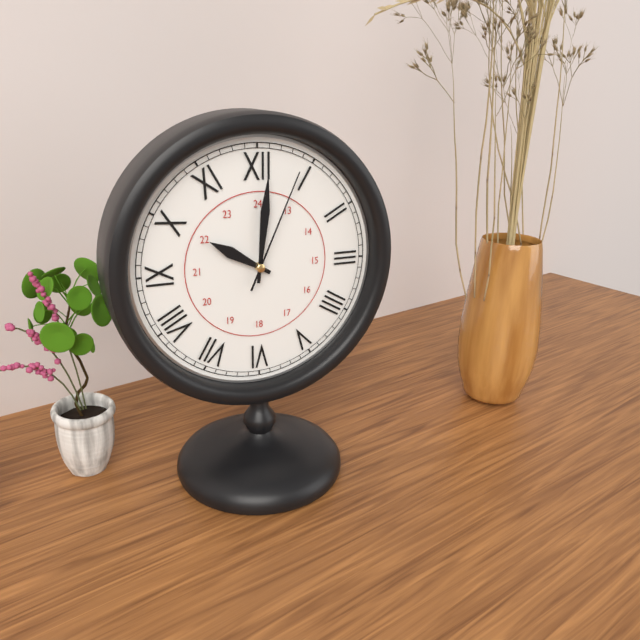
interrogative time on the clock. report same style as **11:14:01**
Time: **10:01:04**
